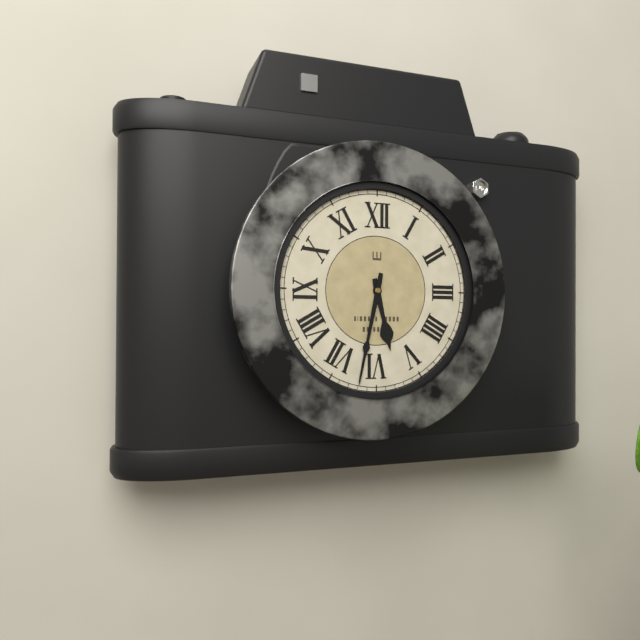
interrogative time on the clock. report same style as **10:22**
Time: **5:32**
